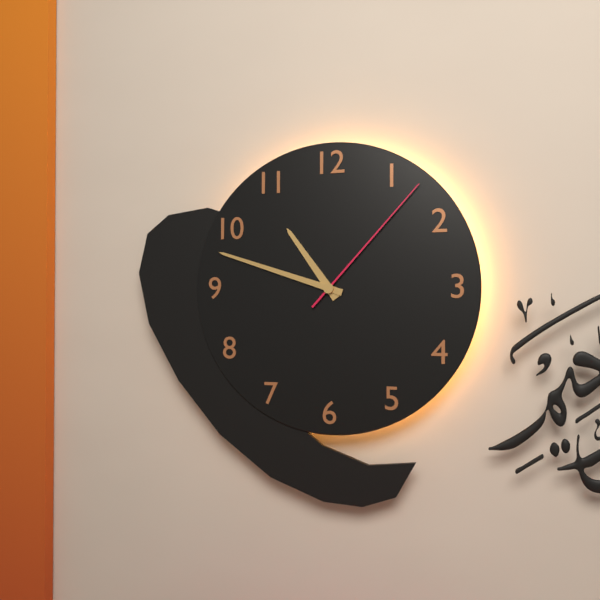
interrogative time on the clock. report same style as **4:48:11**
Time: **10:48:07**
